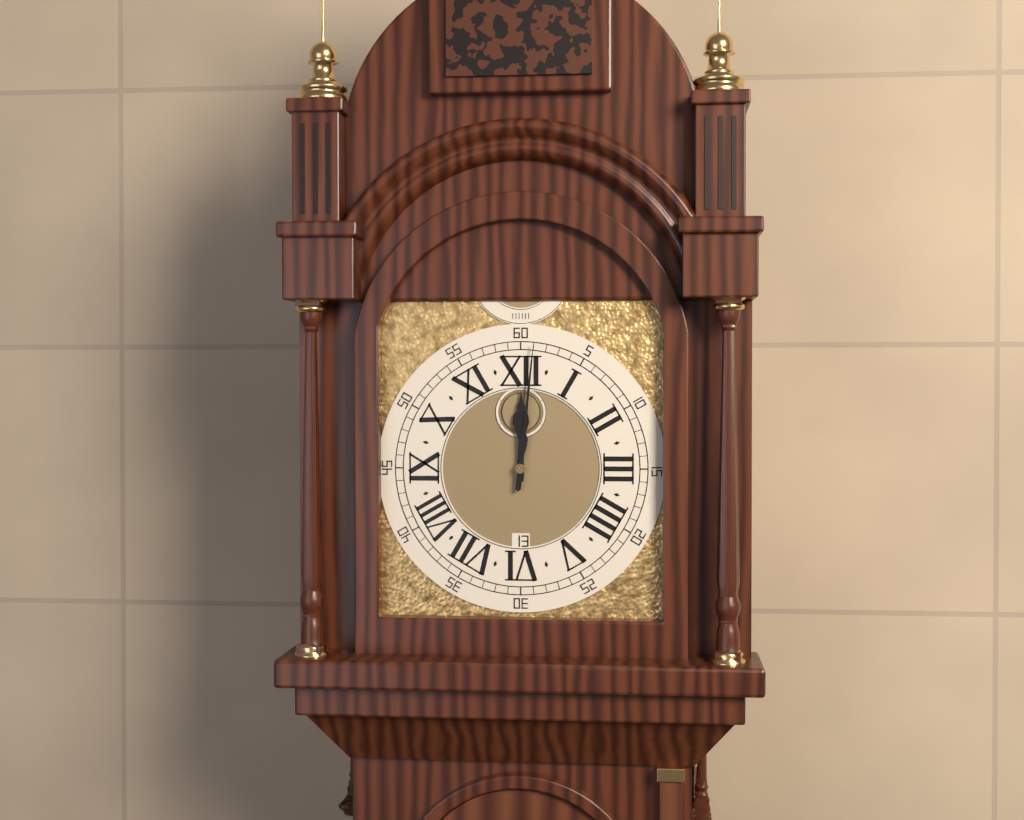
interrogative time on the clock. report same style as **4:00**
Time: **12:01**
